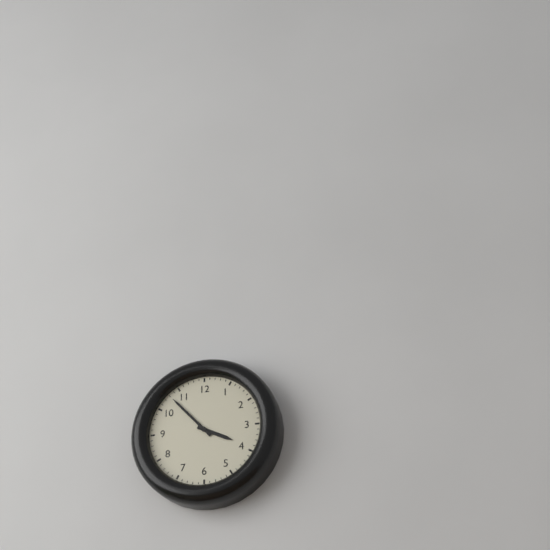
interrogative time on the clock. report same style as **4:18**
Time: **3:53**
